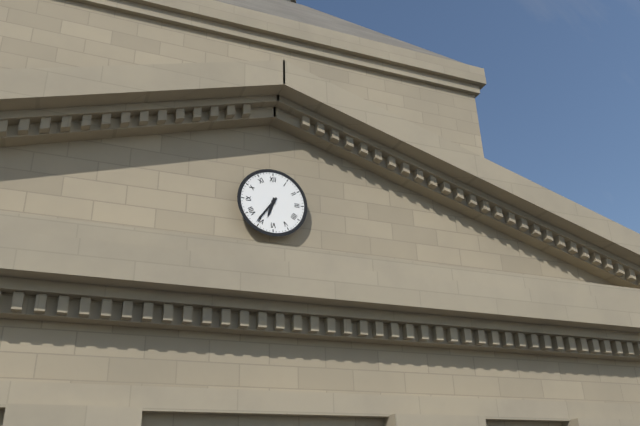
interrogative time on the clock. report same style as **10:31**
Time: **6:36**
